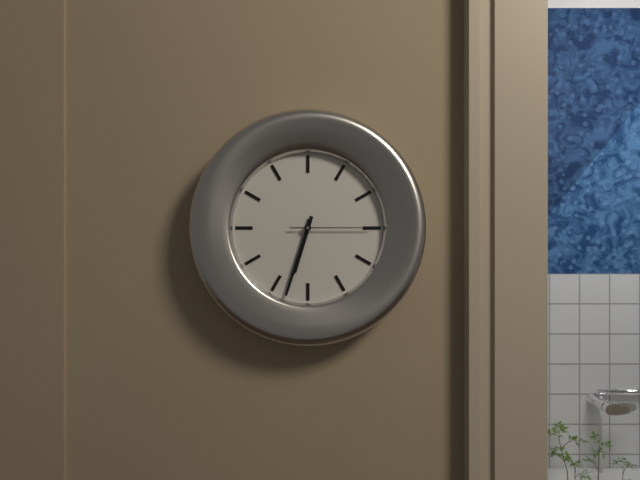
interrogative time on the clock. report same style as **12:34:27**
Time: **6:33:15**
